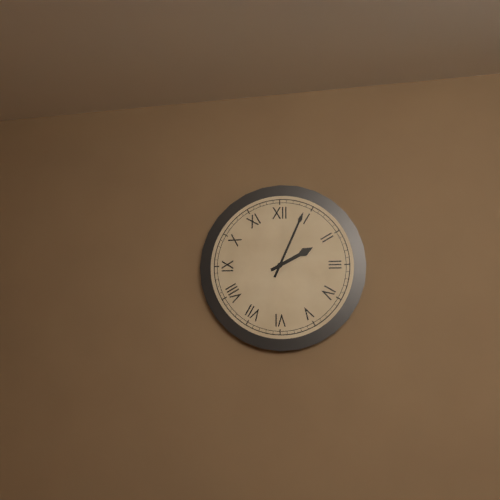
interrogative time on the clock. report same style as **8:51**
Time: **2:04**
